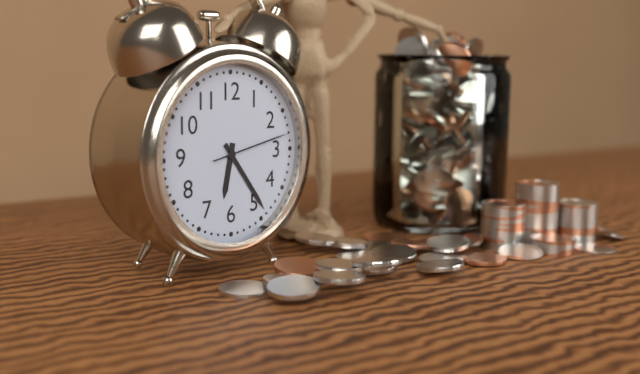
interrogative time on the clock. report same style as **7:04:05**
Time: **6:24:13**
